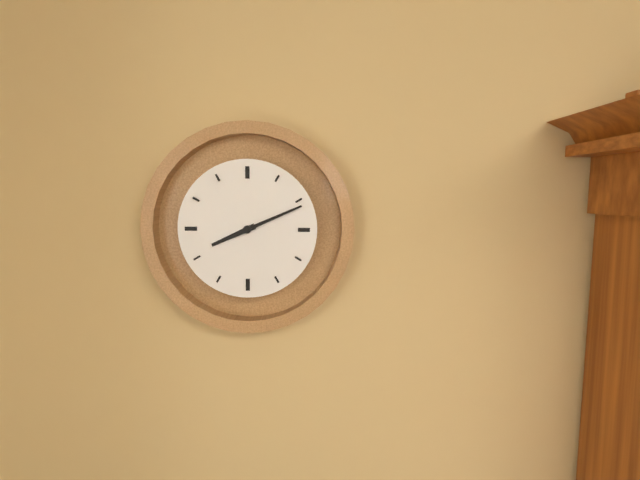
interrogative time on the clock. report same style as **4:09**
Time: **8:11**
